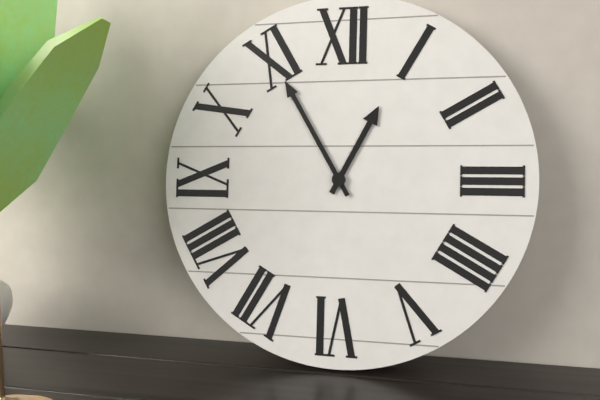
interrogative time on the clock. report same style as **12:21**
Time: **12:55**
